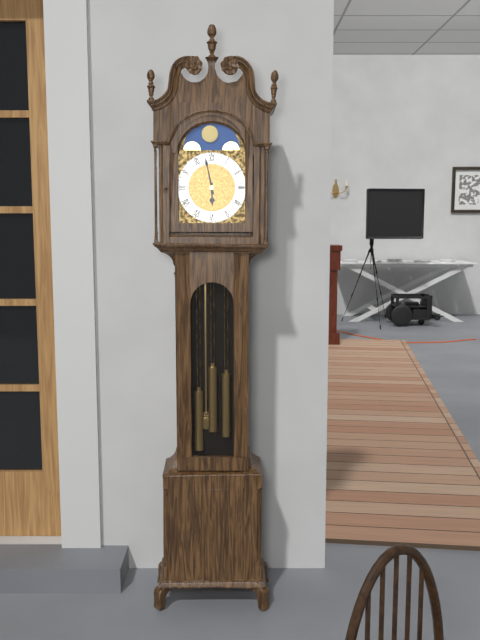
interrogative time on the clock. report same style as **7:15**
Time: **5:58**
